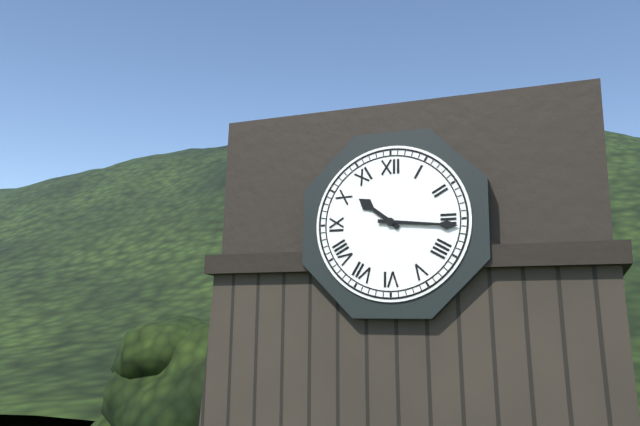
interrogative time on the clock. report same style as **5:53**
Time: **10:16**
